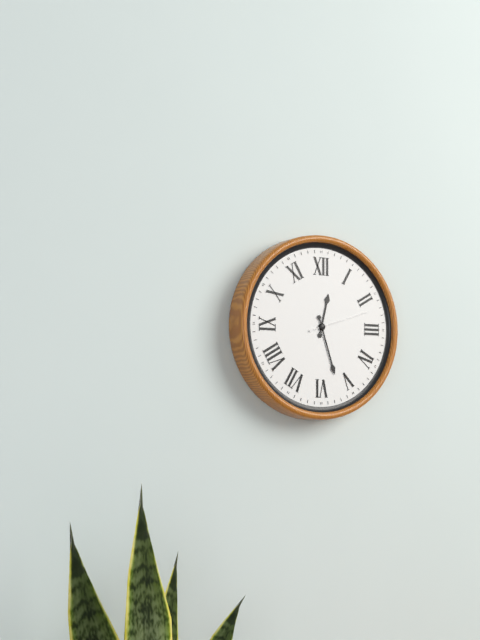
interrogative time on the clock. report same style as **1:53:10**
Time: **12:27:12**
